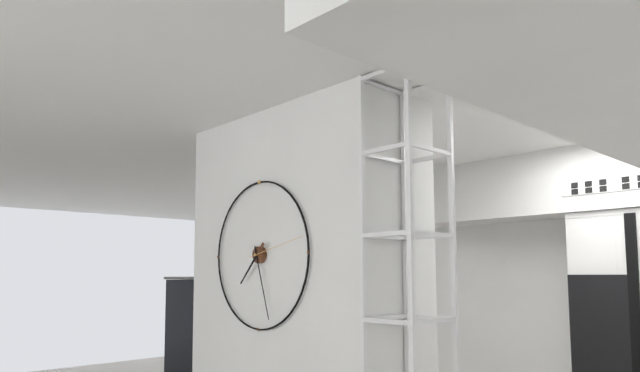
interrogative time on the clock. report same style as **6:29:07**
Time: **7:27:13**
